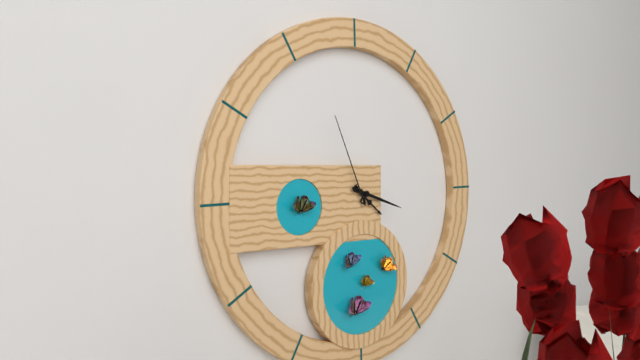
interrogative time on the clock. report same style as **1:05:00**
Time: **4:18:56**
